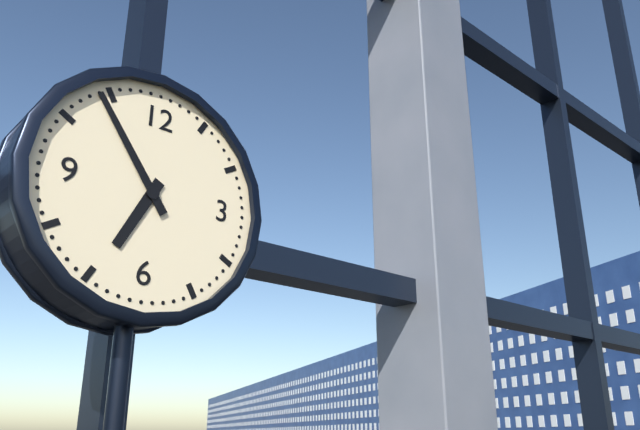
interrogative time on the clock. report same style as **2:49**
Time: **6:54**
